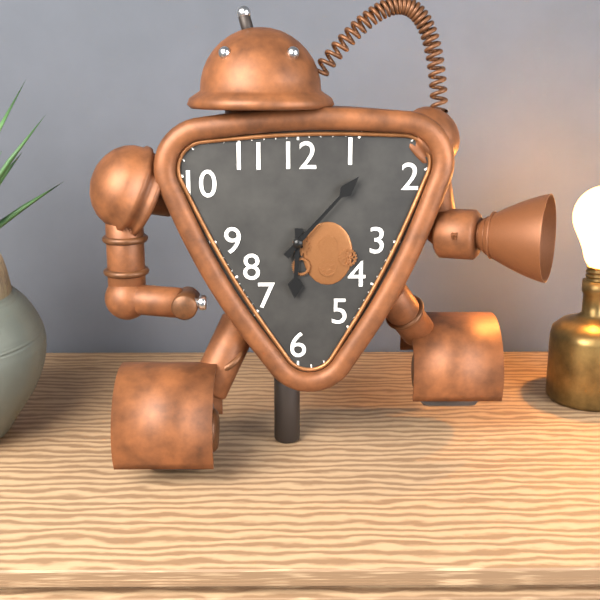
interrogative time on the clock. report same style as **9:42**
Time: **6:07**
